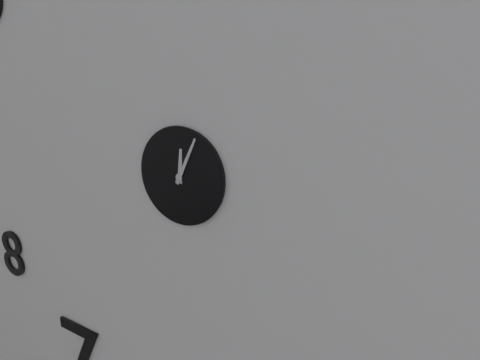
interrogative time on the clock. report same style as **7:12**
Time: **12:04**
